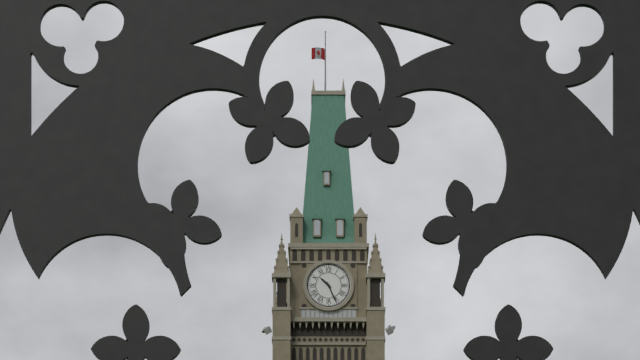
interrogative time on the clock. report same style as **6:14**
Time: **10:26**
